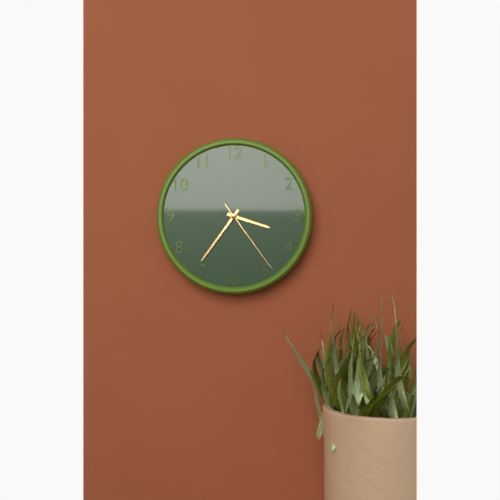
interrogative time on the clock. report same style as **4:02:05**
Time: **3:36:24**
